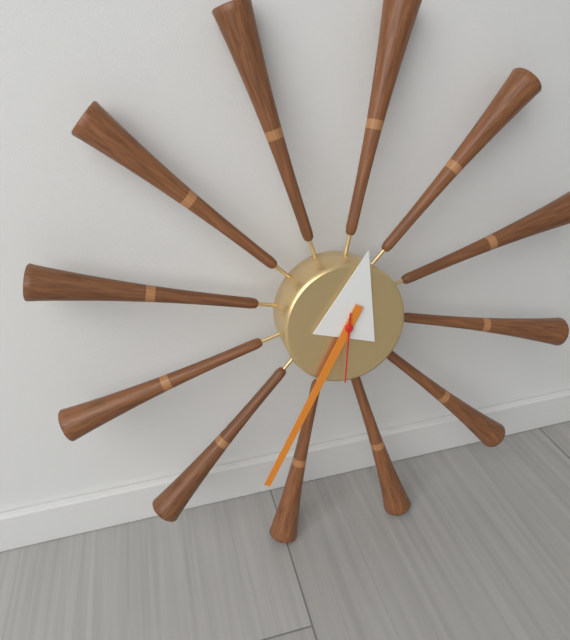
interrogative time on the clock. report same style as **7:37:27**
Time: **12:35:31**
